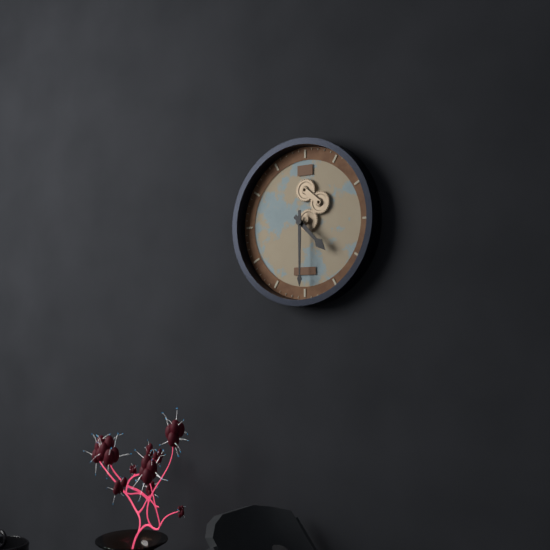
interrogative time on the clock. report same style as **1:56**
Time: **4:30**
